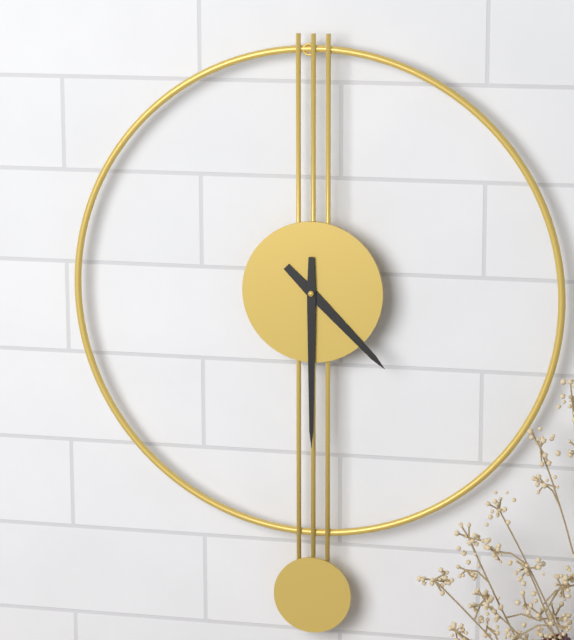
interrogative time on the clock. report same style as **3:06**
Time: **4:30**
